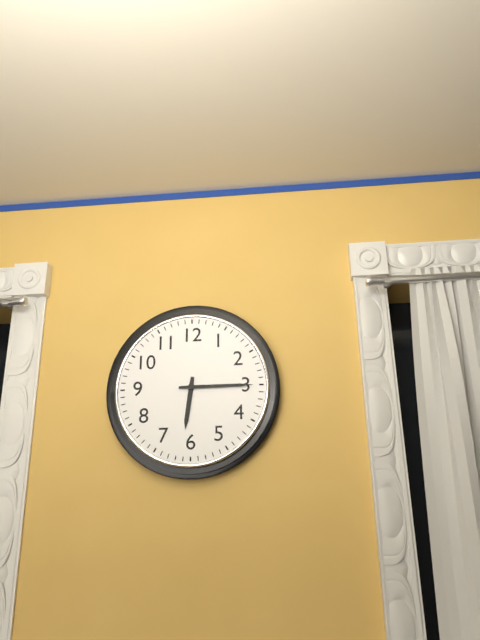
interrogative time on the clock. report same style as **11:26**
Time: **6:15**
